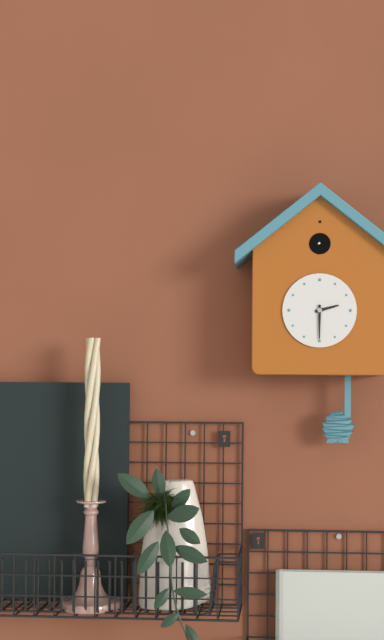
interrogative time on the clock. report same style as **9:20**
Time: **2:30**
